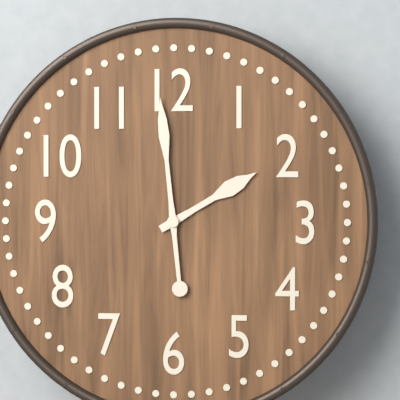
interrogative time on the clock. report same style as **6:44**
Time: **1:59**
